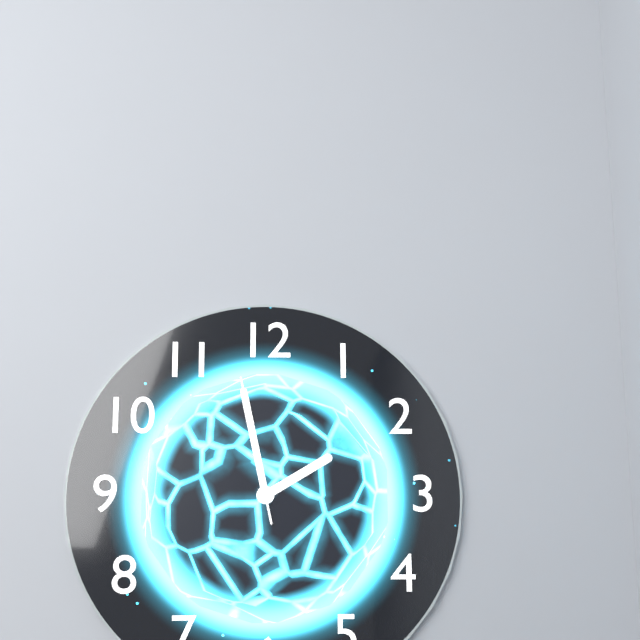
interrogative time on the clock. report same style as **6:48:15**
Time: **1:58:58**
